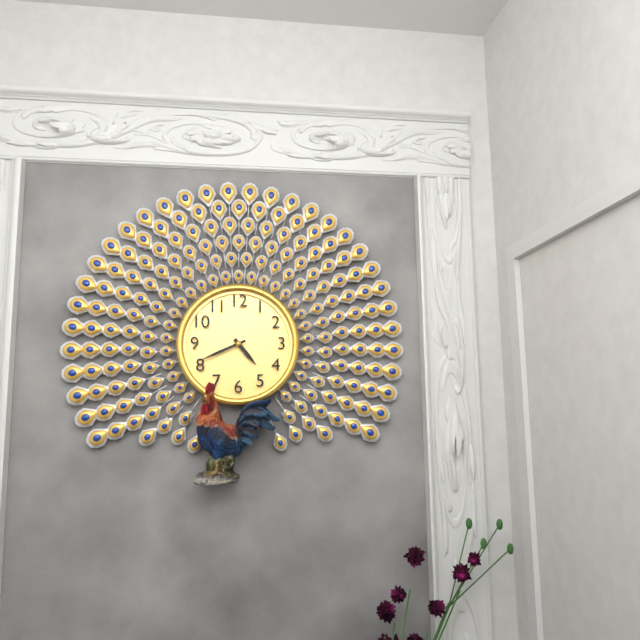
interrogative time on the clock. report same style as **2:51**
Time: **4:41**
